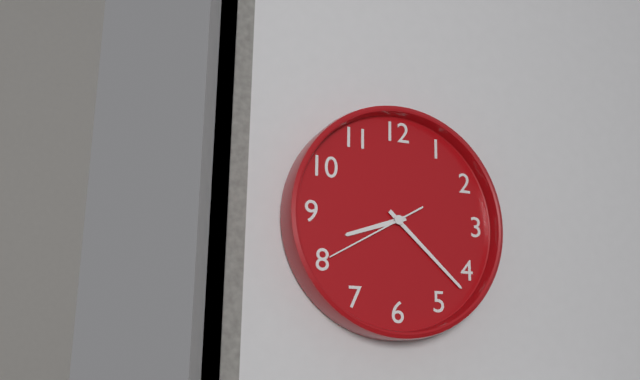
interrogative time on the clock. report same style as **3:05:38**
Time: **8:22:40**
